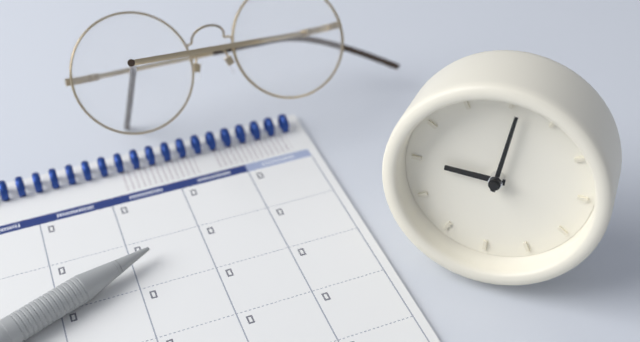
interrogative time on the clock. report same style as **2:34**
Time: **9:01**
